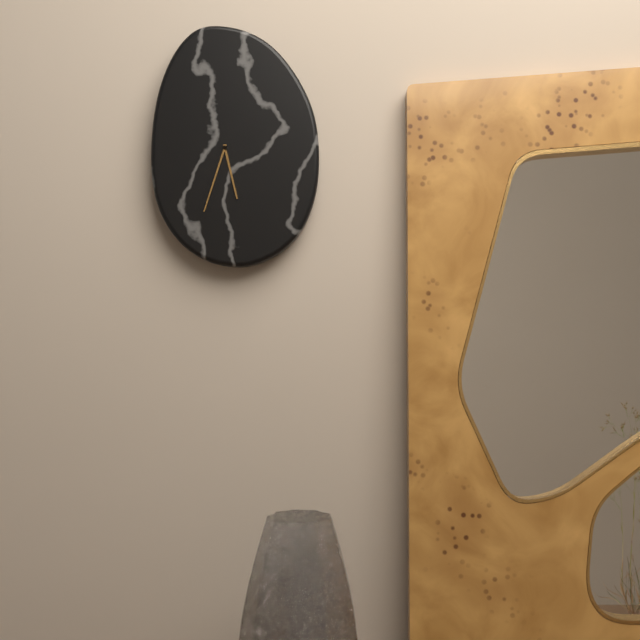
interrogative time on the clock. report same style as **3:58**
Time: **5:33**
